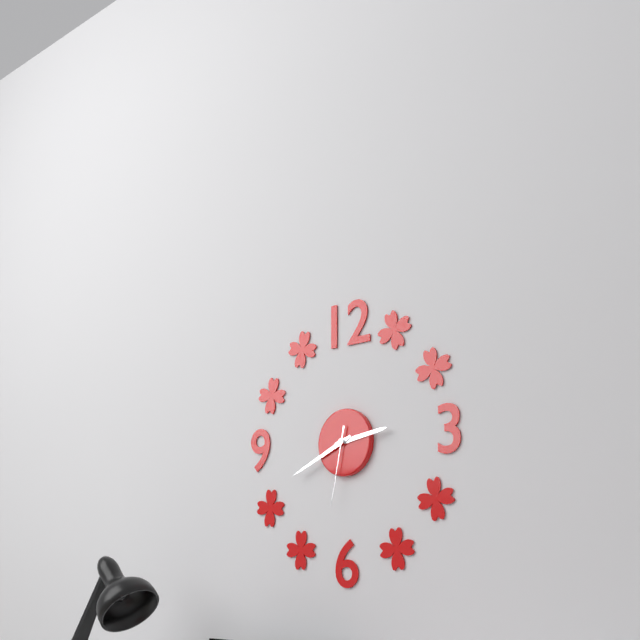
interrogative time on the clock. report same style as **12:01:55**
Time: **2:41:32**
